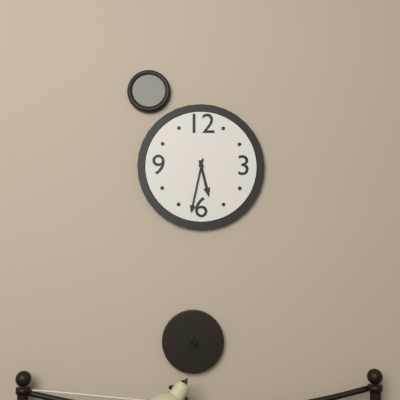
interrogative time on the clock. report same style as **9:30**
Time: **5:32**
